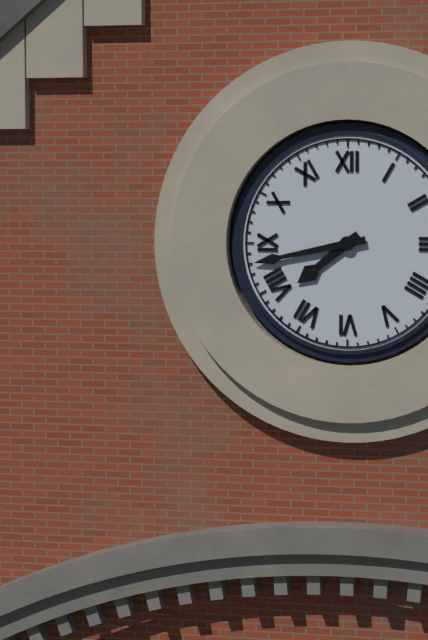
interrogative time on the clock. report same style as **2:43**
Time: **7:43**
